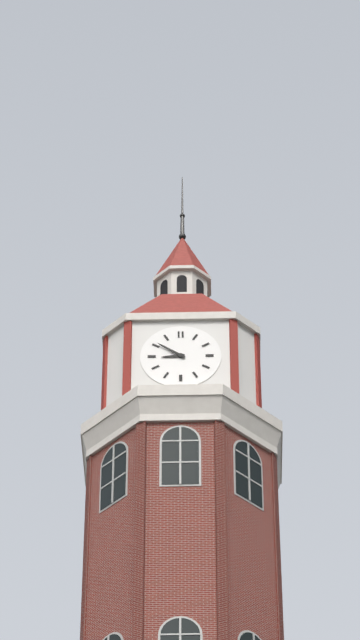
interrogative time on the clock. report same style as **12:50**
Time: **8:51**
